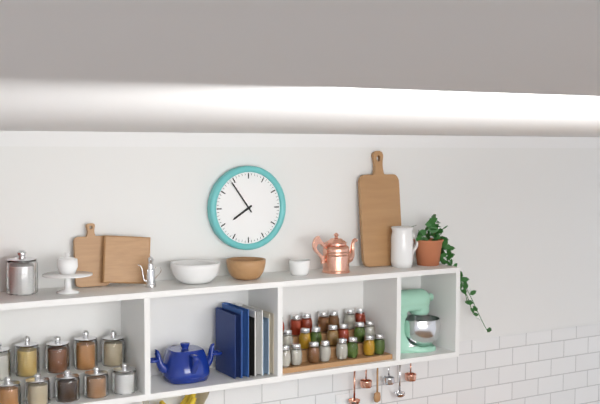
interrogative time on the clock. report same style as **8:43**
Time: **7:54**
